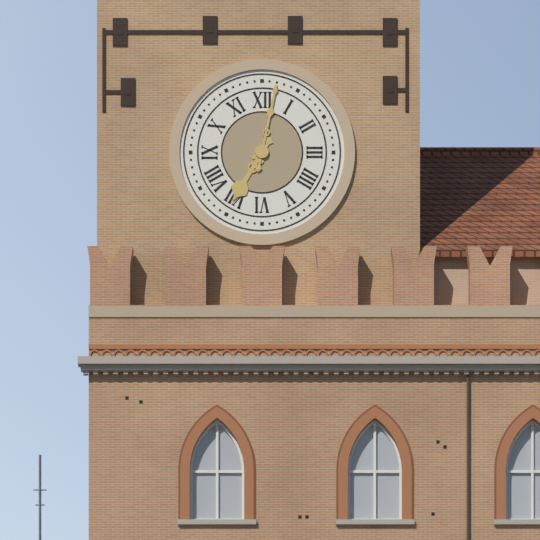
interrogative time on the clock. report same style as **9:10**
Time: **7:02**
